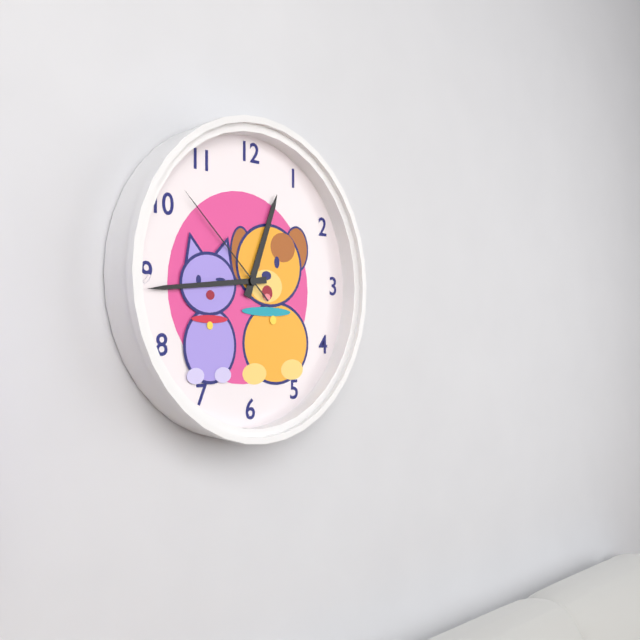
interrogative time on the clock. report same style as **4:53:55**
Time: **12:44:52**
